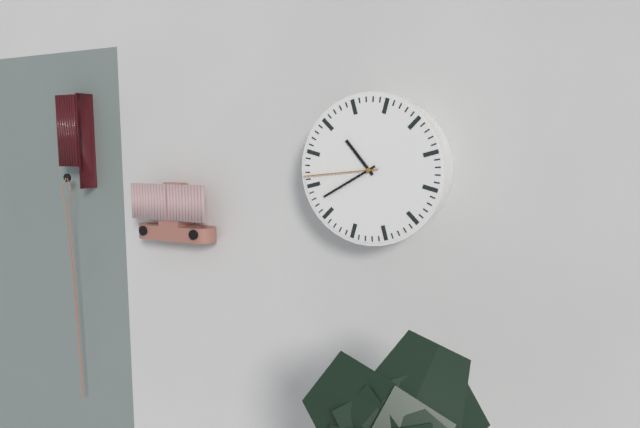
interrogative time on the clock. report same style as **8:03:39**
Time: **10:40:44**
